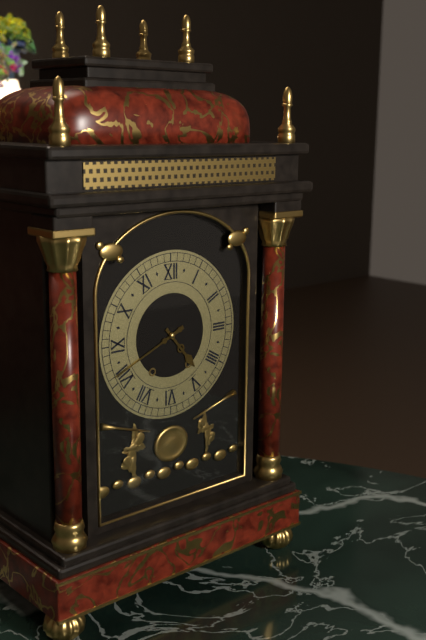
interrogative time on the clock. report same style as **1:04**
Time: **4:41**
